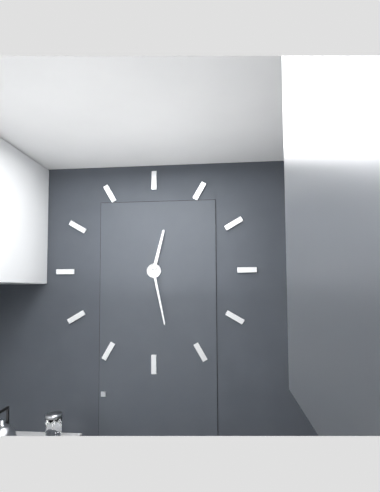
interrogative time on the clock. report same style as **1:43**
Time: **12:28**
